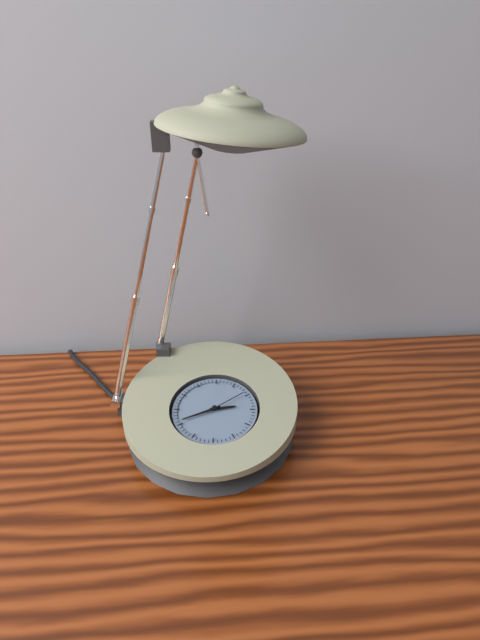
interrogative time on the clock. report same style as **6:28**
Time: **2:41**
